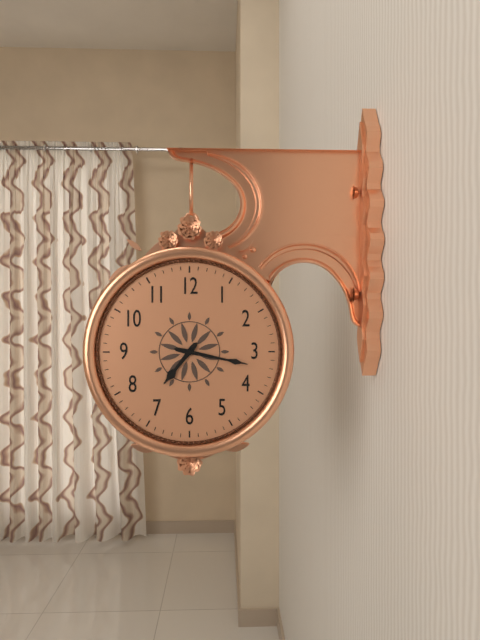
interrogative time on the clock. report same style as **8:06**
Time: **7:17**
